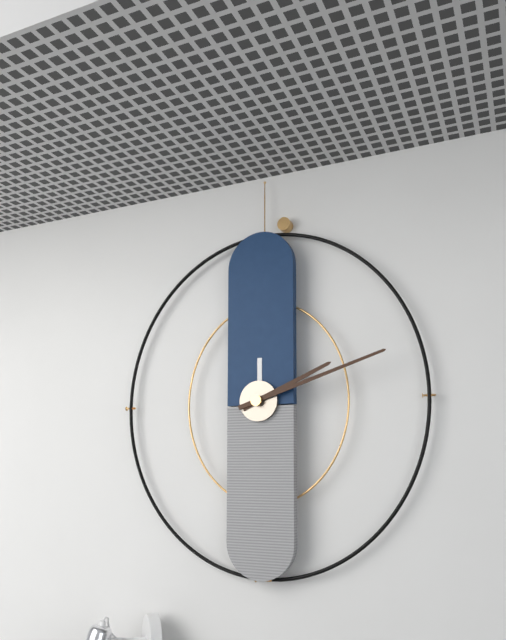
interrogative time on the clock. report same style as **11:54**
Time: **2:12**
